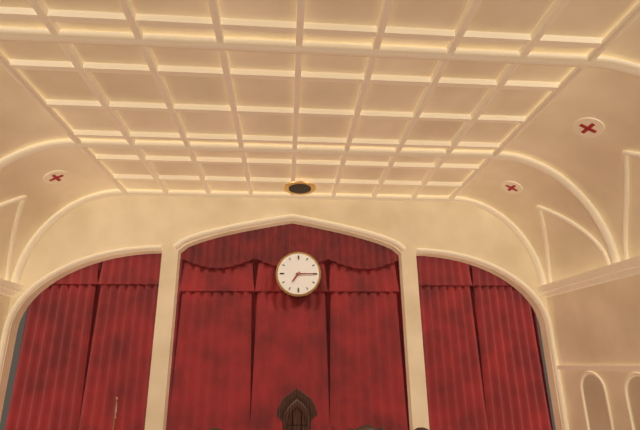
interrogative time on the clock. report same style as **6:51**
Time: **7:15**
